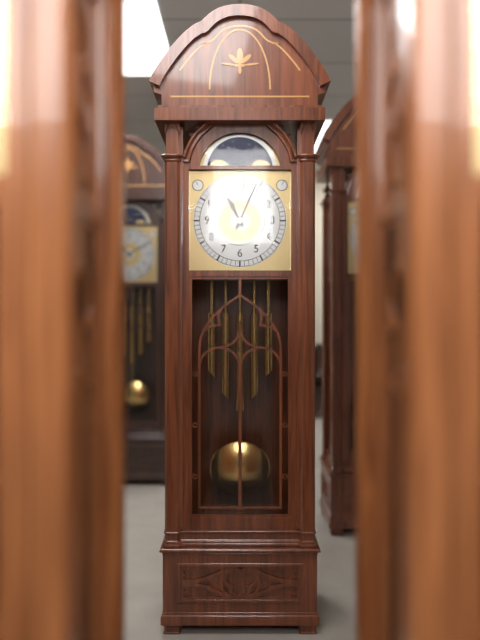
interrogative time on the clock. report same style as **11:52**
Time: **11:04**
